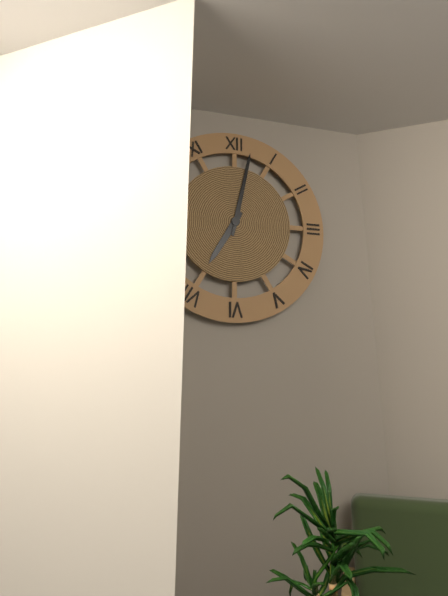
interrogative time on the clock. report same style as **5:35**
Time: **7:02**
